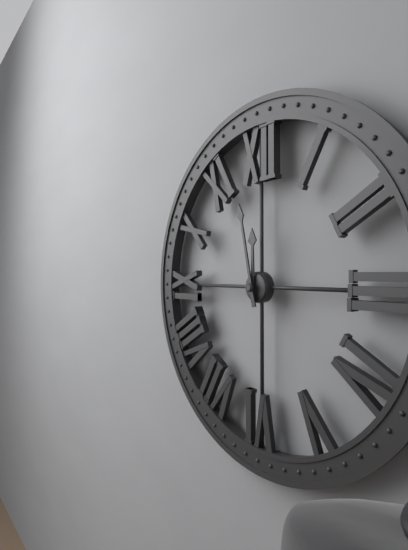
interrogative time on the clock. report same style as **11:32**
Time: **11:58**
